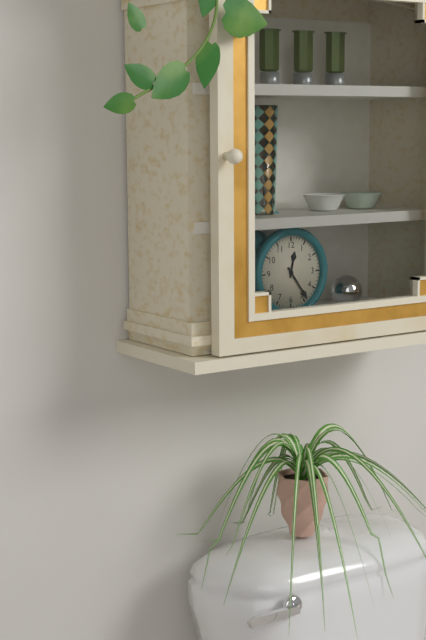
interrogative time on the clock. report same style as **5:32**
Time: **12:24**
